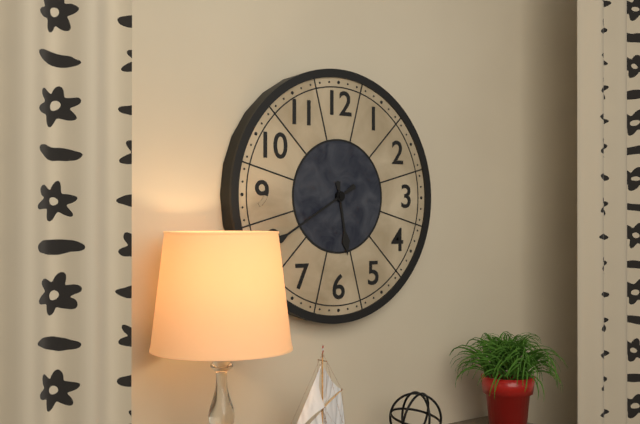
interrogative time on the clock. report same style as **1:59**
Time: **5:40**
